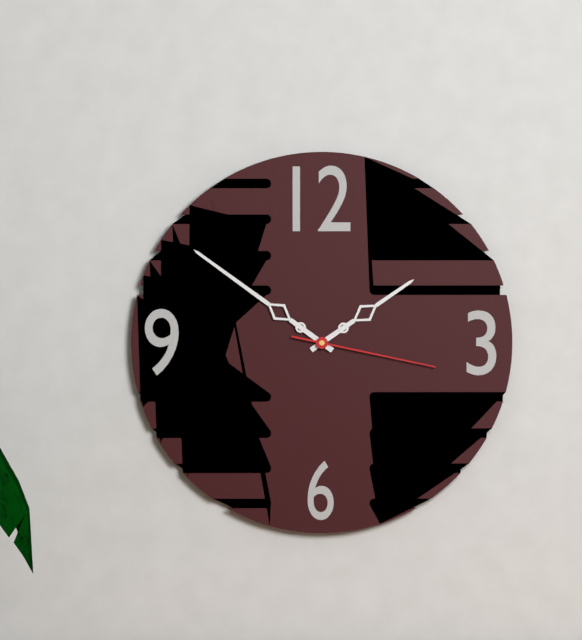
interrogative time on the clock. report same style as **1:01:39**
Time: **1:51:17**
